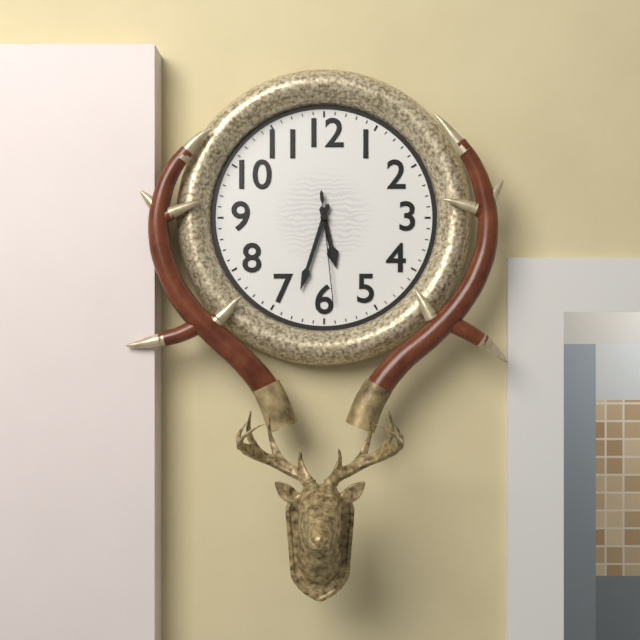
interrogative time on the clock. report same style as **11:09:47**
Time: **5:33:29**
